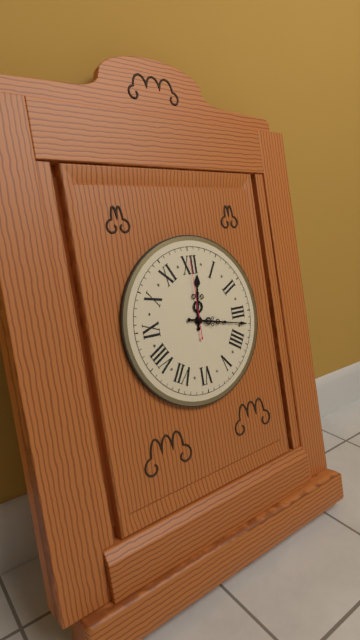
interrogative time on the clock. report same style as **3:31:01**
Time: **12:17:00**
